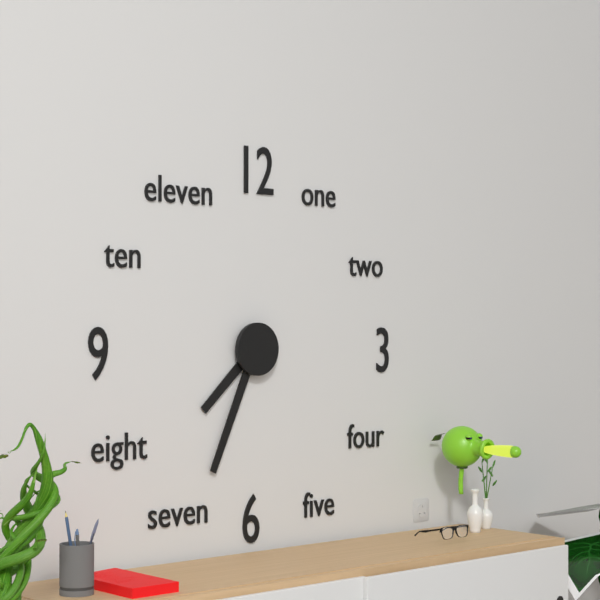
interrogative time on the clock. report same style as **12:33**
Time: **7:34**
